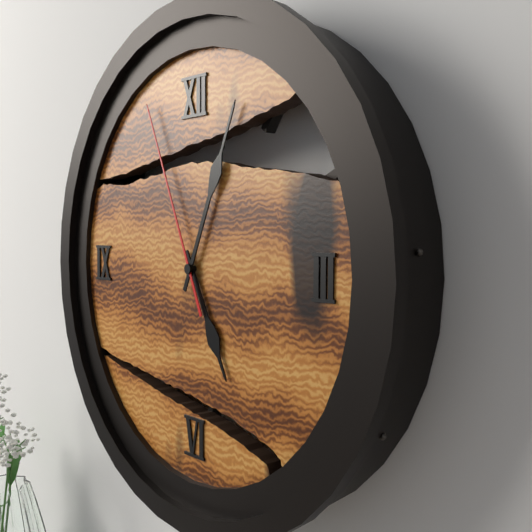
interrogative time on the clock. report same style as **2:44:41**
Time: **5:04:56**
